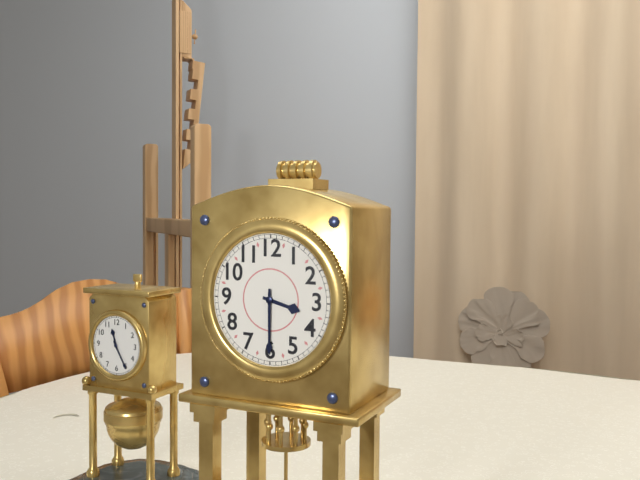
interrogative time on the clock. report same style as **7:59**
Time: **3:30**
